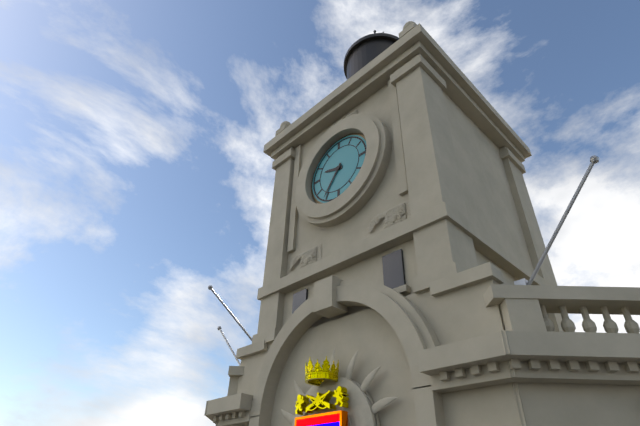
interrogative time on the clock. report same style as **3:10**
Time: **9:36**
